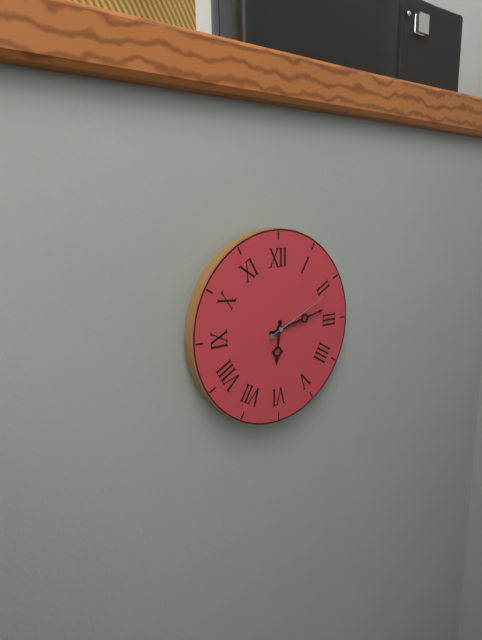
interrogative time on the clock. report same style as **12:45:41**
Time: **6:13:11**
